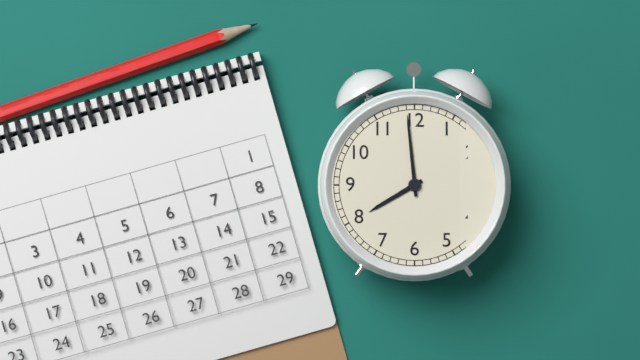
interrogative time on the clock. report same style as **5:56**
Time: **7:59**
